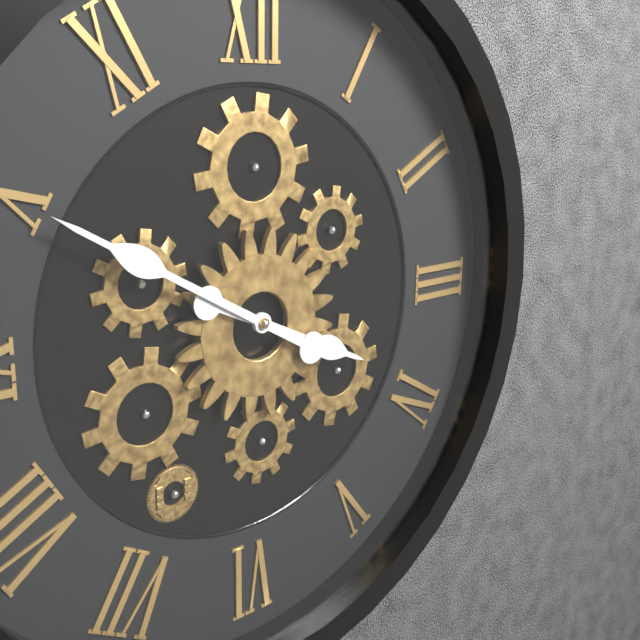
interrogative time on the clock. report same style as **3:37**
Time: **3:50**
